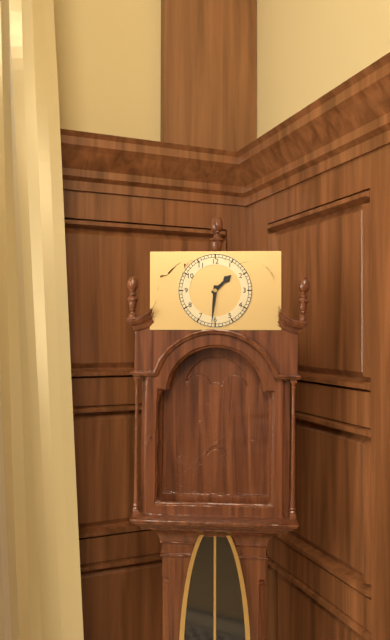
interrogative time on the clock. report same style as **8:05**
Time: **1:31**
